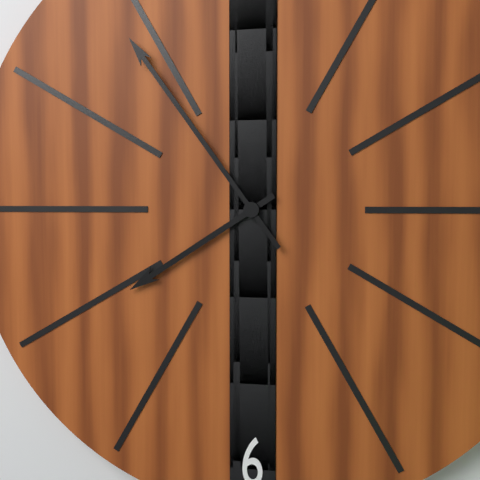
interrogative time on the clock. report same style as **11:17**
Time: **7:54**
